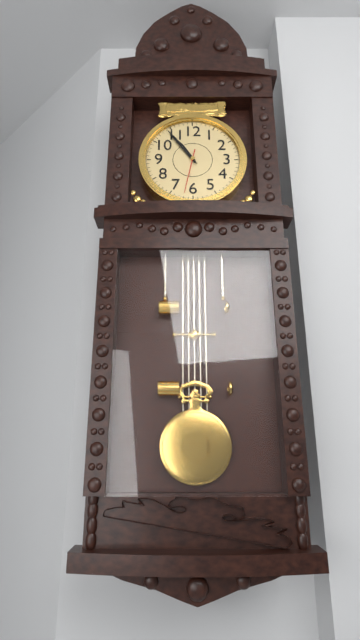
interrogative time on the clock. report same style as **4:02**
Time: **10:54**
